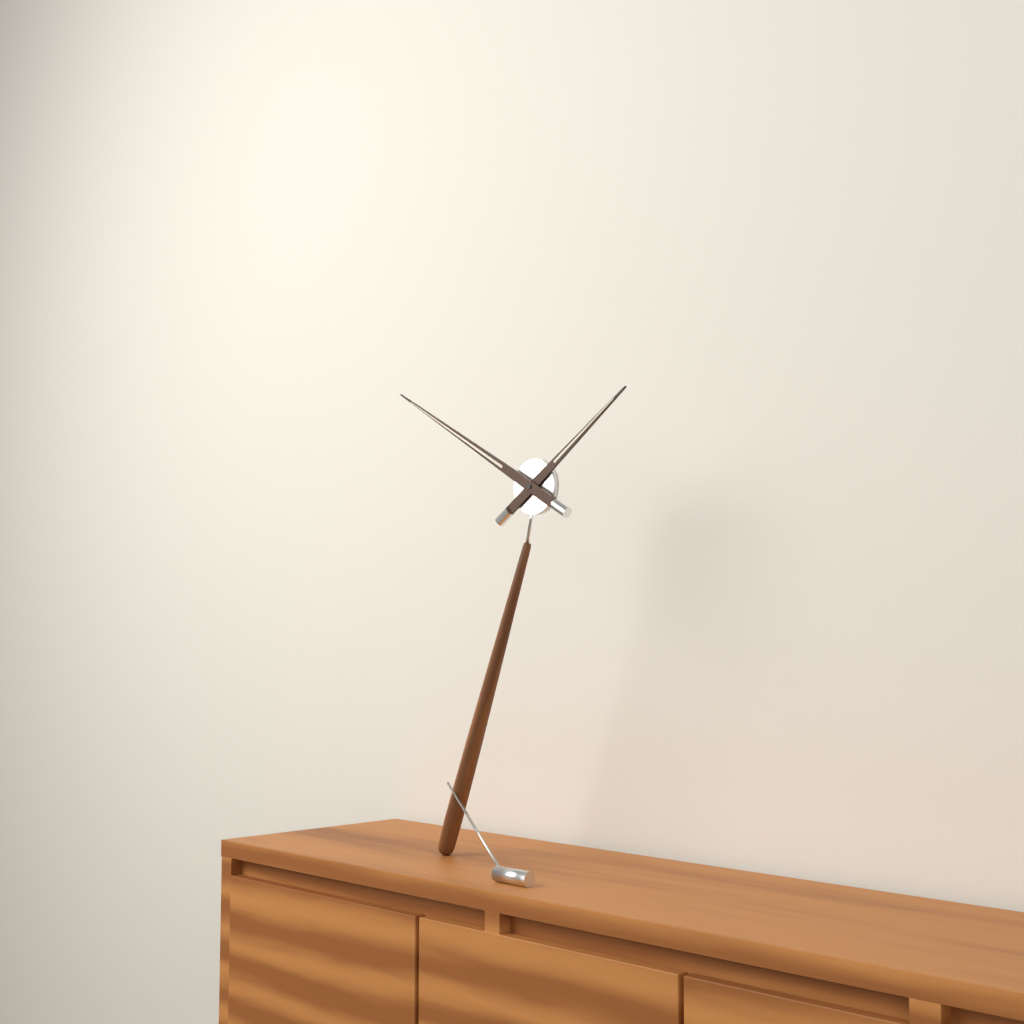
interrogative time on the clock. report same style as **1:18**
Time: **1:50**
